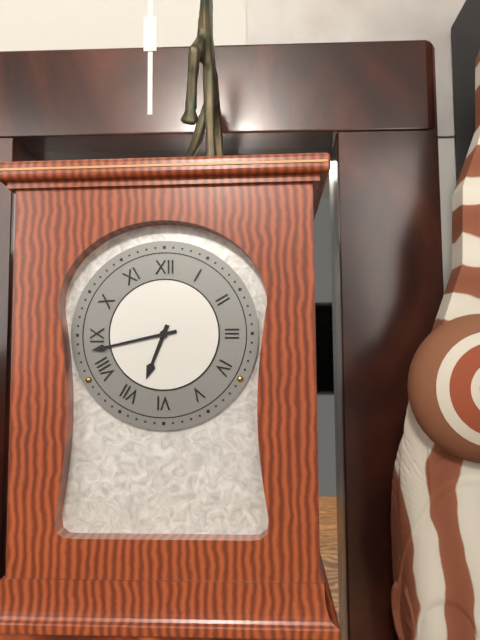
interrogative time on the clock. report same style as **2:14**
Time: **6:43**
